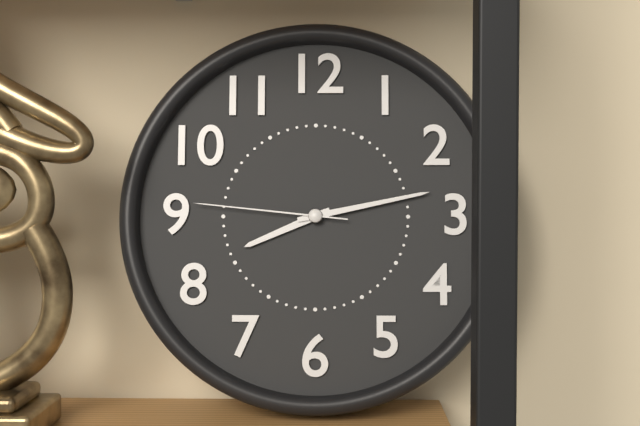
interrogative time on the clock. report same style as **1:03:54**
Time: **8:13:46**
